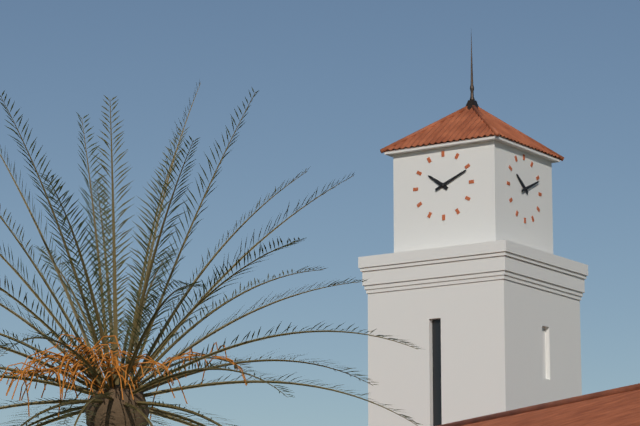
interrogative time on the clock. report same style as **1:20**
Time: **10:11**
